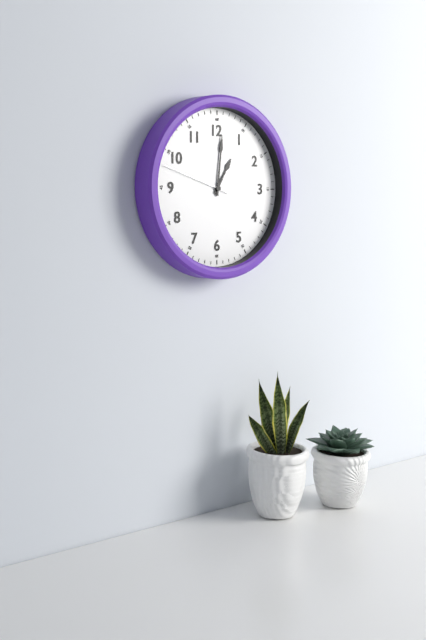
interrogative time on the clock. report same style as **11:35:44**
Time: **1:01:48**
